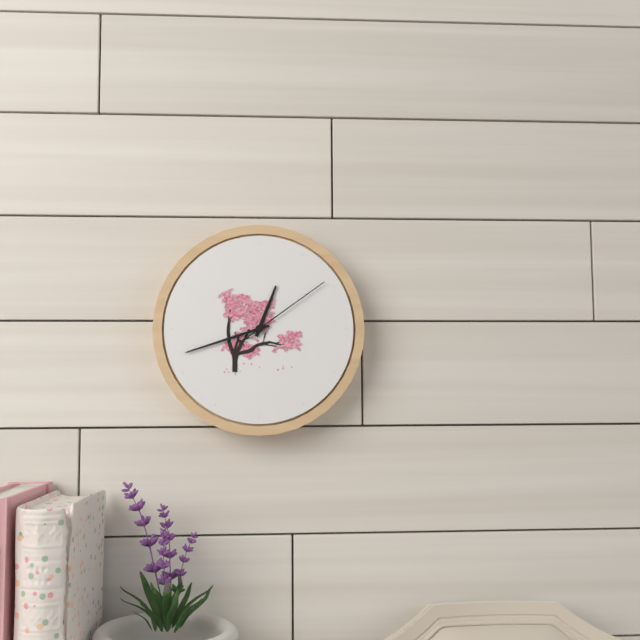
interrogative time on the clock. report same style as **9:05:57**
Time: **12:42:09**
